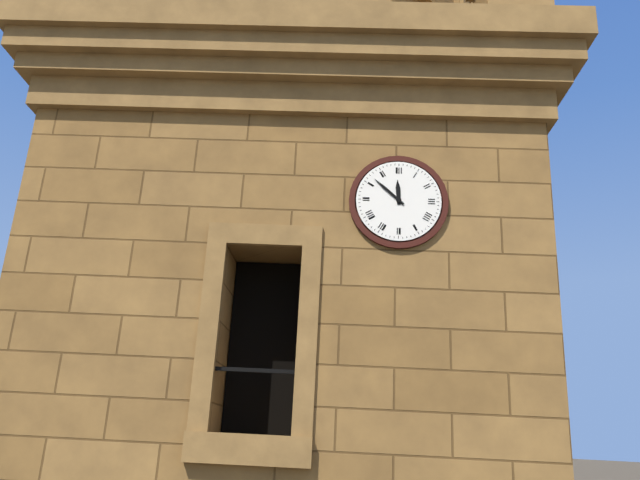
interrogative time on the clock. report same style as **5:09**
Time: **11:52**
